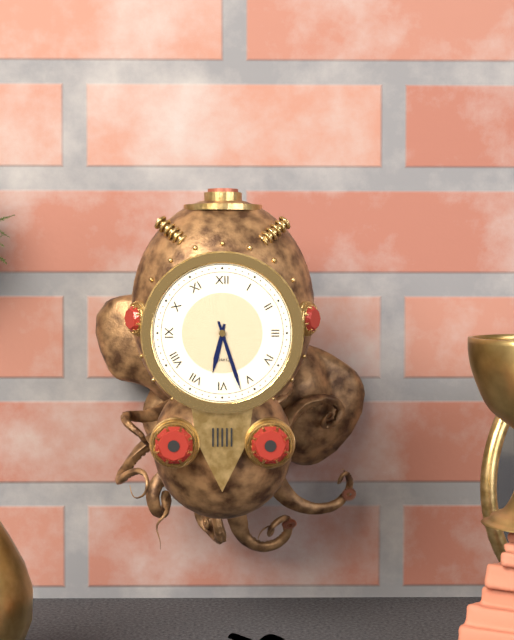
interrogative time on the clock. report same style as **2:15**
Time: **6:27**
